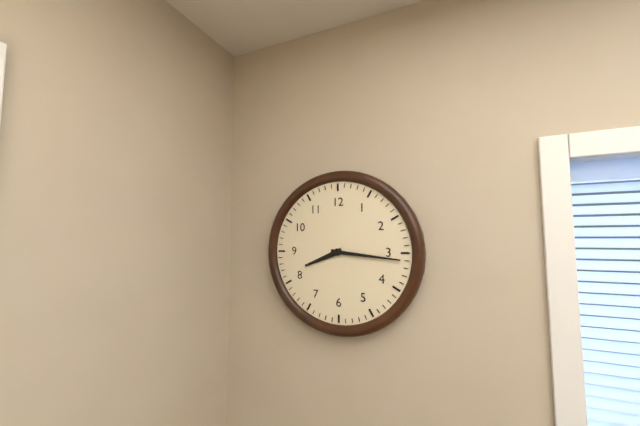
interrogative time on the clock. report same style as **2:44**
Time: **8:16**
